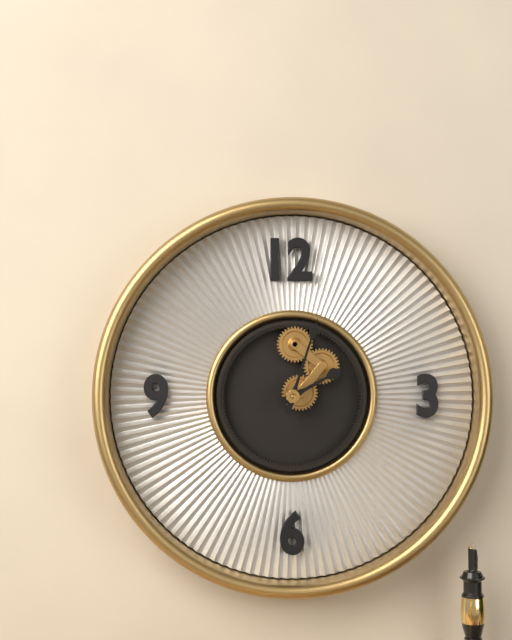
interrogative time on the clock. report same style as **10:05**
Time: **2:03**
